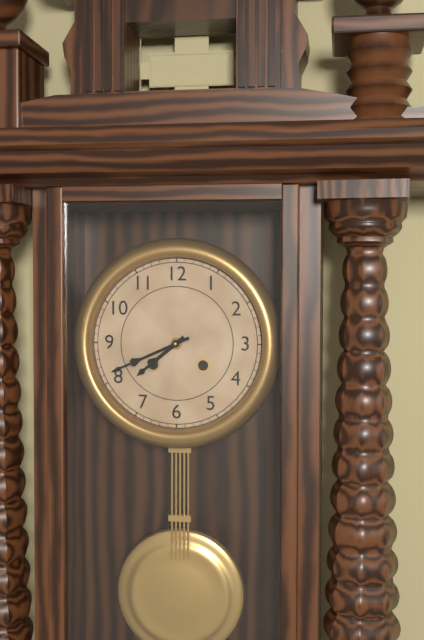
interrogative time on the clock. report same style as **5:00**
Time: **7:41**
